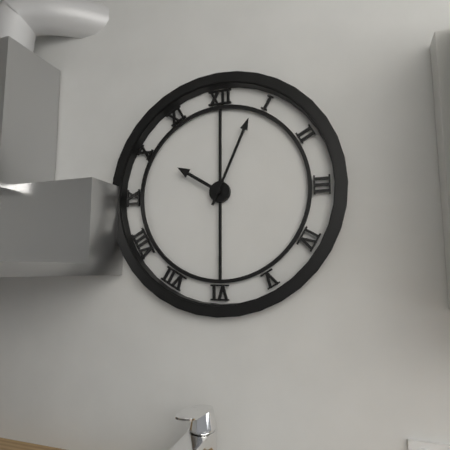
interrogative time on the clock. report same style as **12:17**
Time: **10:04**
